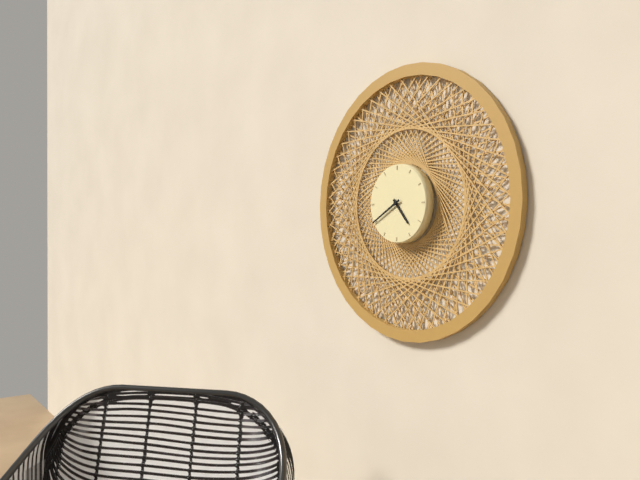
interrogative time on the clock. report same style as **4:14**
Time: **4:40**
